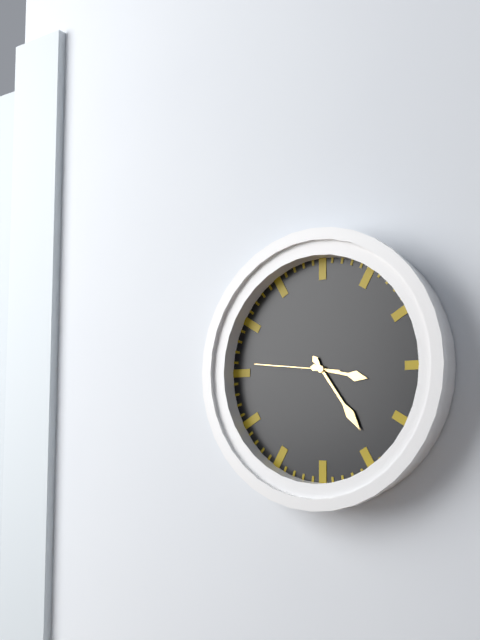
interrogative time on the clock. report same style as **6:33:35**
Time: **3:24:46**
